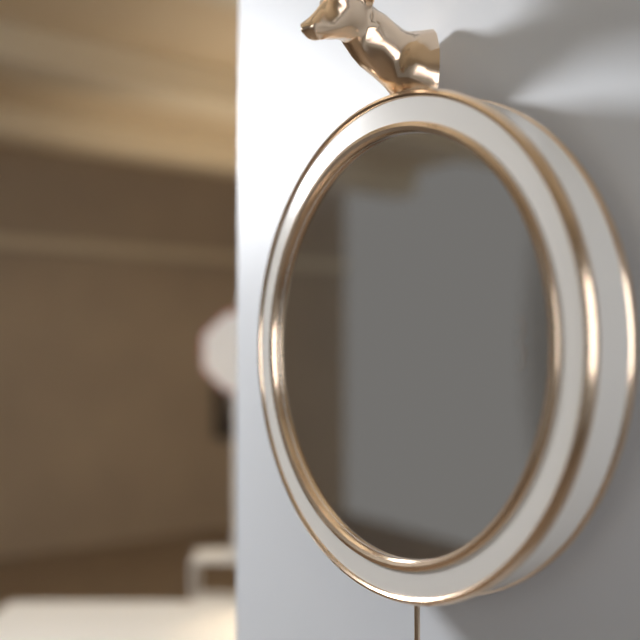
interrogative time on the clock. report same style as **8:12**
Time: **7:10**
